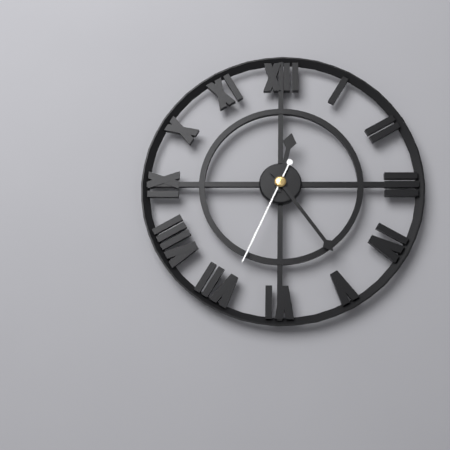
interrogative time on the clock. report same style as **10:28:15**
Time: **12:24:34**
